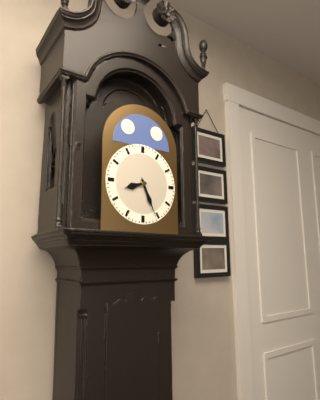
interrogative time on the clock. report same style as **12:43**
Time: **8:26**
